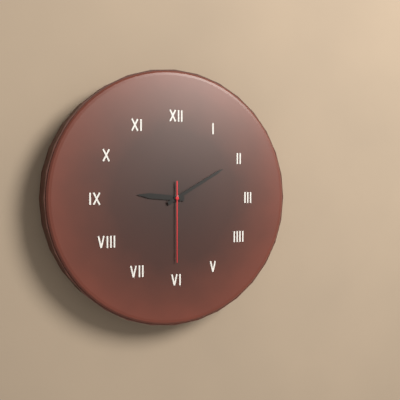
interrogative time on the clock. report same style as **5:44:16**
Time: **9:10:30**
